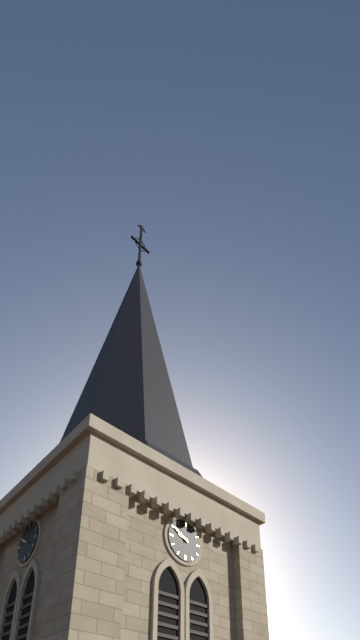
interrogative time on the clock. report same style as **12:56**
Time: **9:50**
